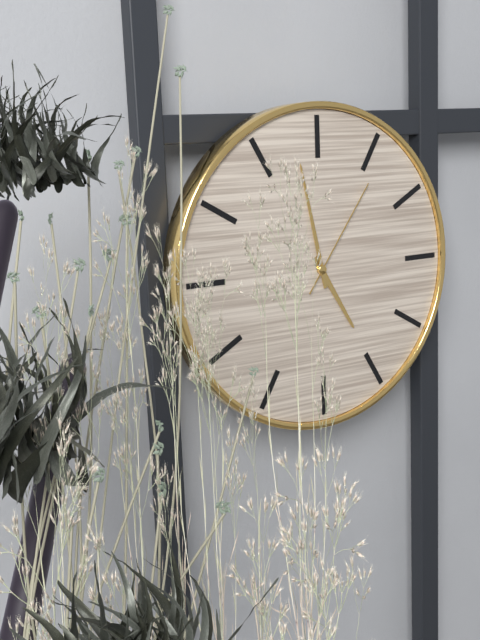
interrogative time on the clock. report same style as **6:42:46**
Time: **4:58:06**
